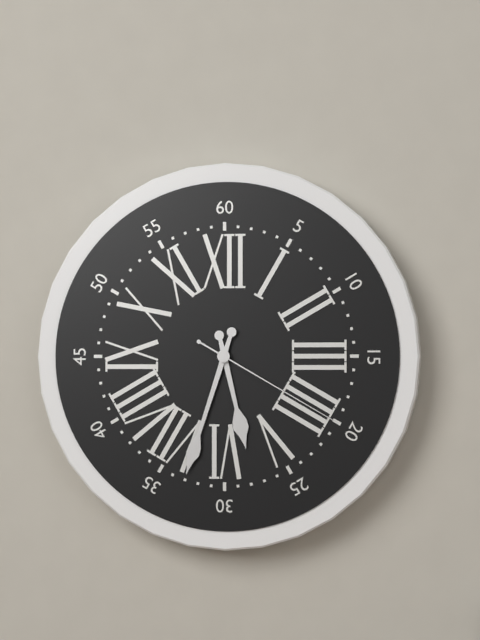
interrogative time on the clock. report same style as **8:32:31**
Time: **5:33:20**
